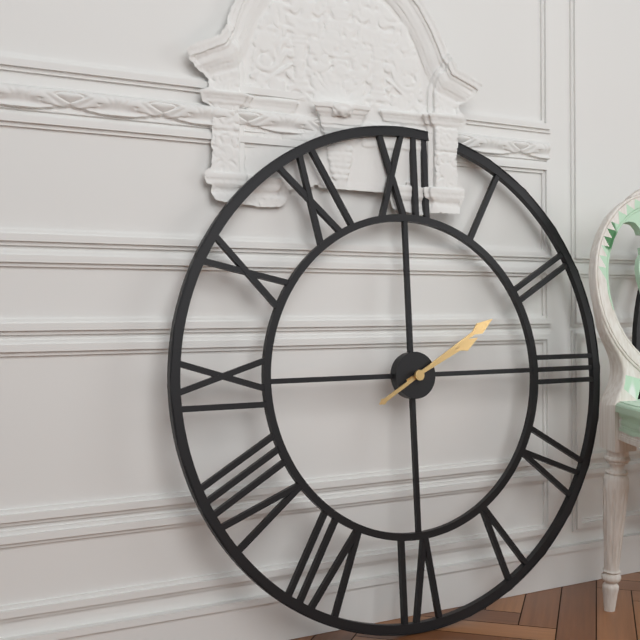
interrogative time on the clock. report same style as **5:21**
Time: **2:10**
